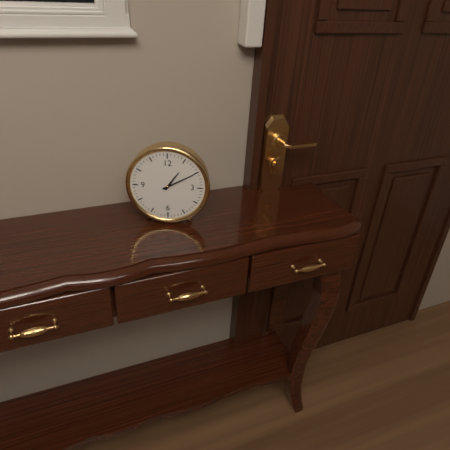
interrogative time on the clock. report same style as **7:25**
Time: **1:10**
